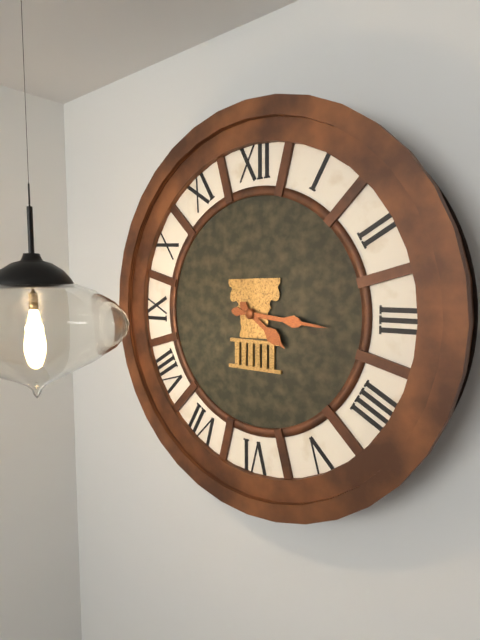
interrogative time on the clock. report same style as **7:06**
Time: **4:16**
